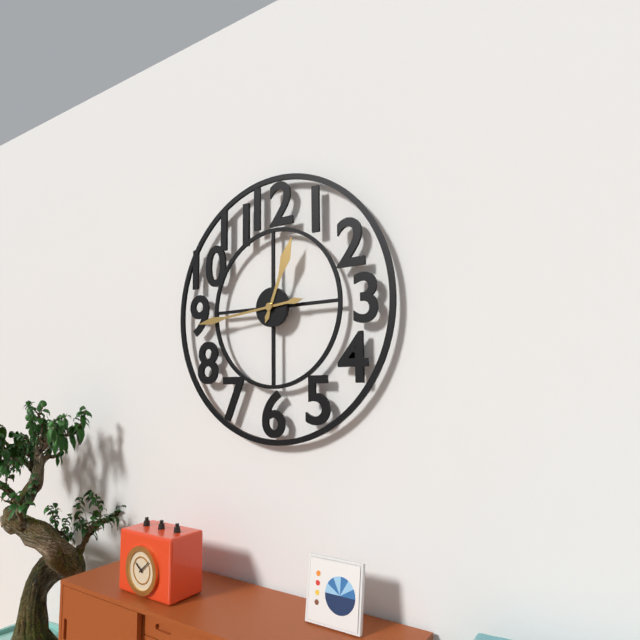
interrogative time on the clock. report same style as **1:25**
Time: **12:44**
